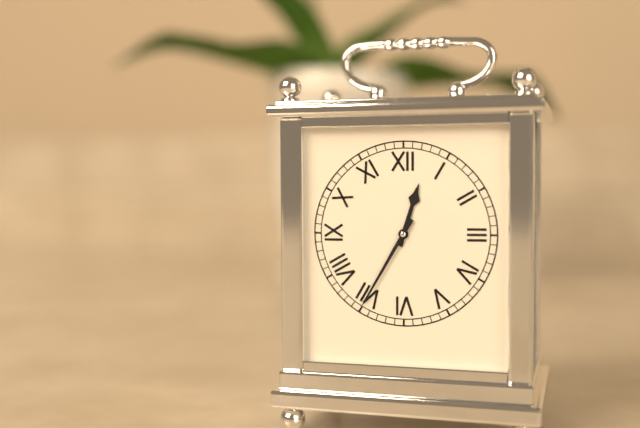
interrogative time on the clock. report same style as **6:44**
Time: **12:35**
